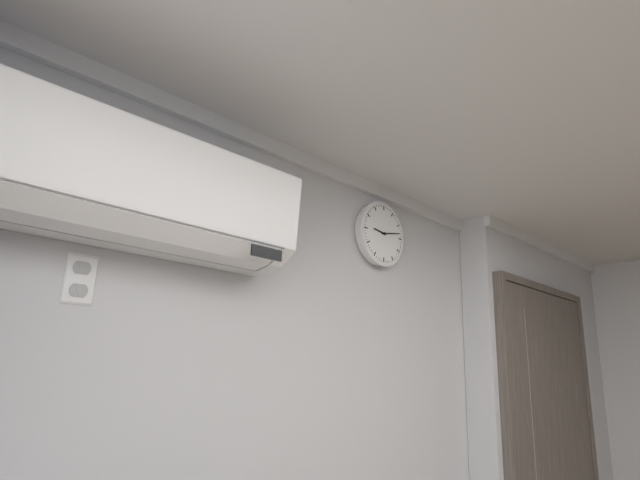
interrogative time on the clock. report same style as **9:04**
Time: **9:13**
